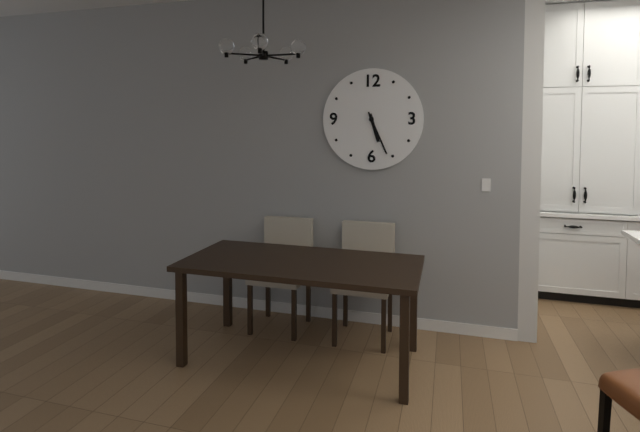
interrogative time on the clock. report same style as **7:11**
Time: **5:26**
